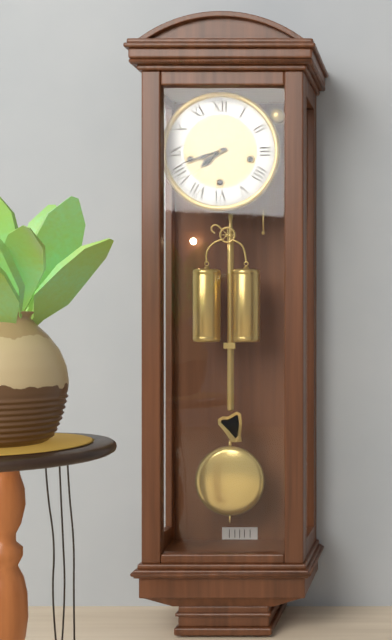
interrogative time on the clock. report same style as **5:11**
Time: **7:42**
